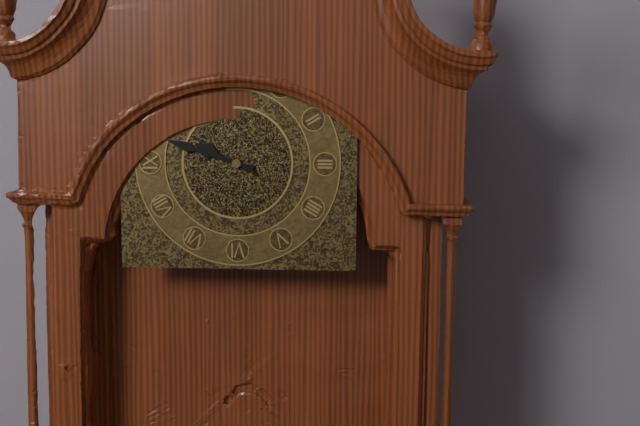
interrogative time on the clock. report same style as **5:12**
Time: **9:48**
